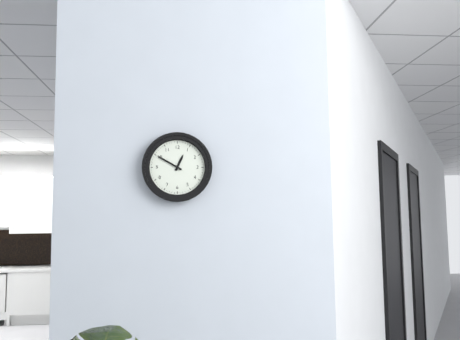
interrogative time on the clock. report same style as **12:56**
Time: **12:50**
